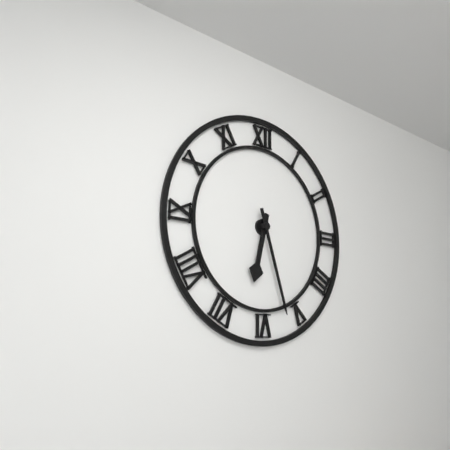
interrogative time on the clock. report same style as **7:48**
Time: **6:27**
